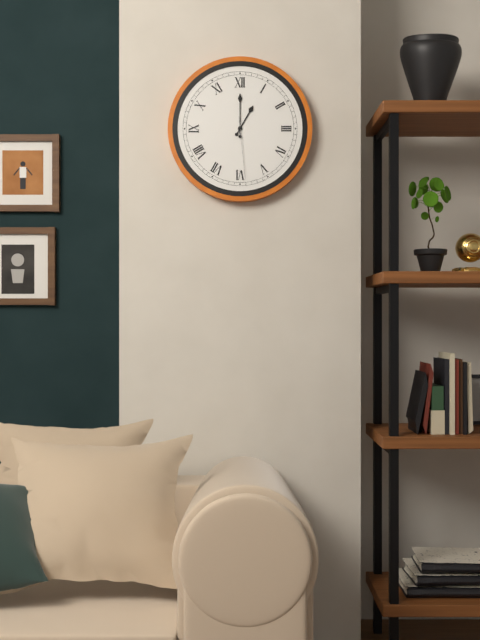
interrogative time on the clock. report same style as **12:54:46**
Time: **1:00:29**
